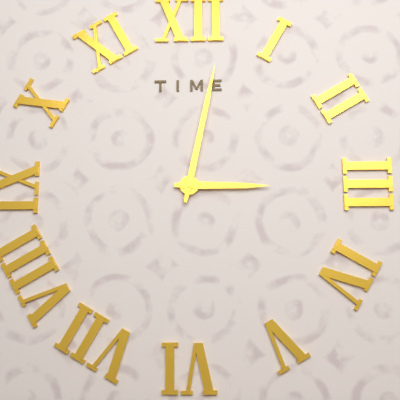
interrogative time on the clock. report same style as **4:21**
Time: **3:02**
